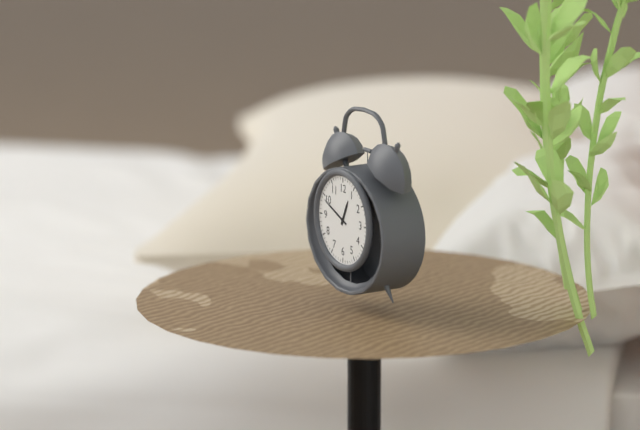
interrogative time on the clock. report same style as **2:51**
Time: **12:49**
